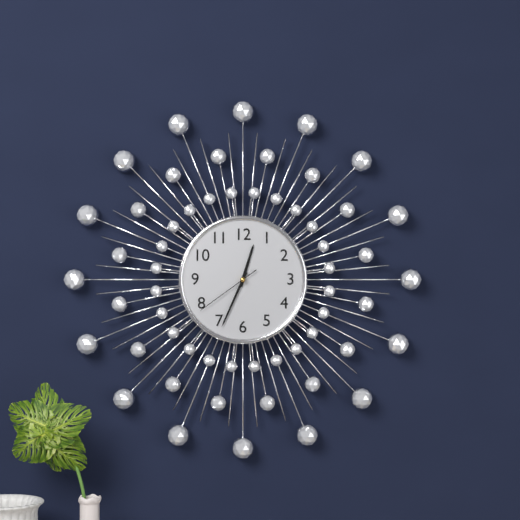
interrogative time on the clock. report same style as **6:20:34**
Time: **12:34:39**
